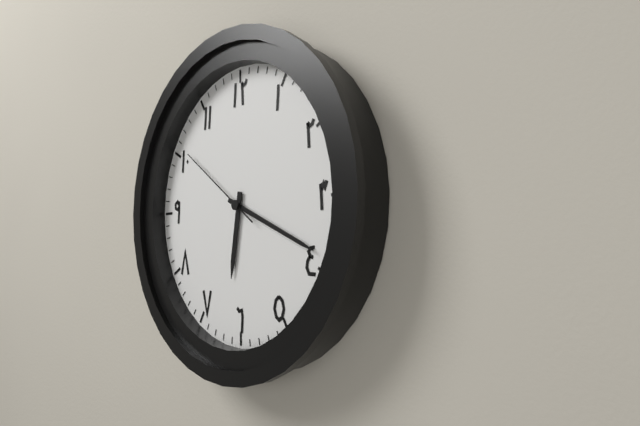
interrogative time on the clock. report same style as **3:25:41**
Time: **6:19:51**
